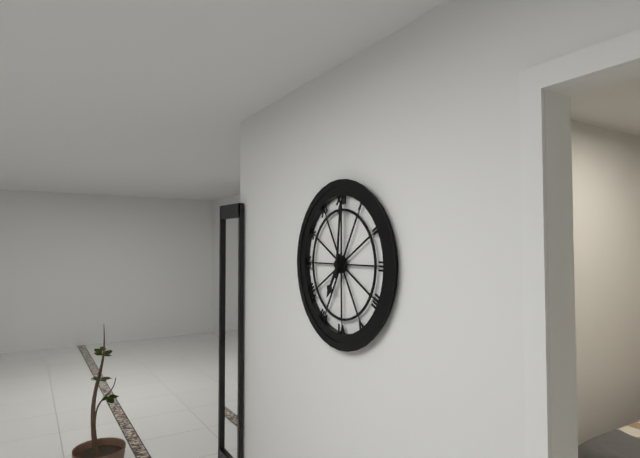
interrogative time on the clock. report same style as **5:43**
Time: **7:01**
